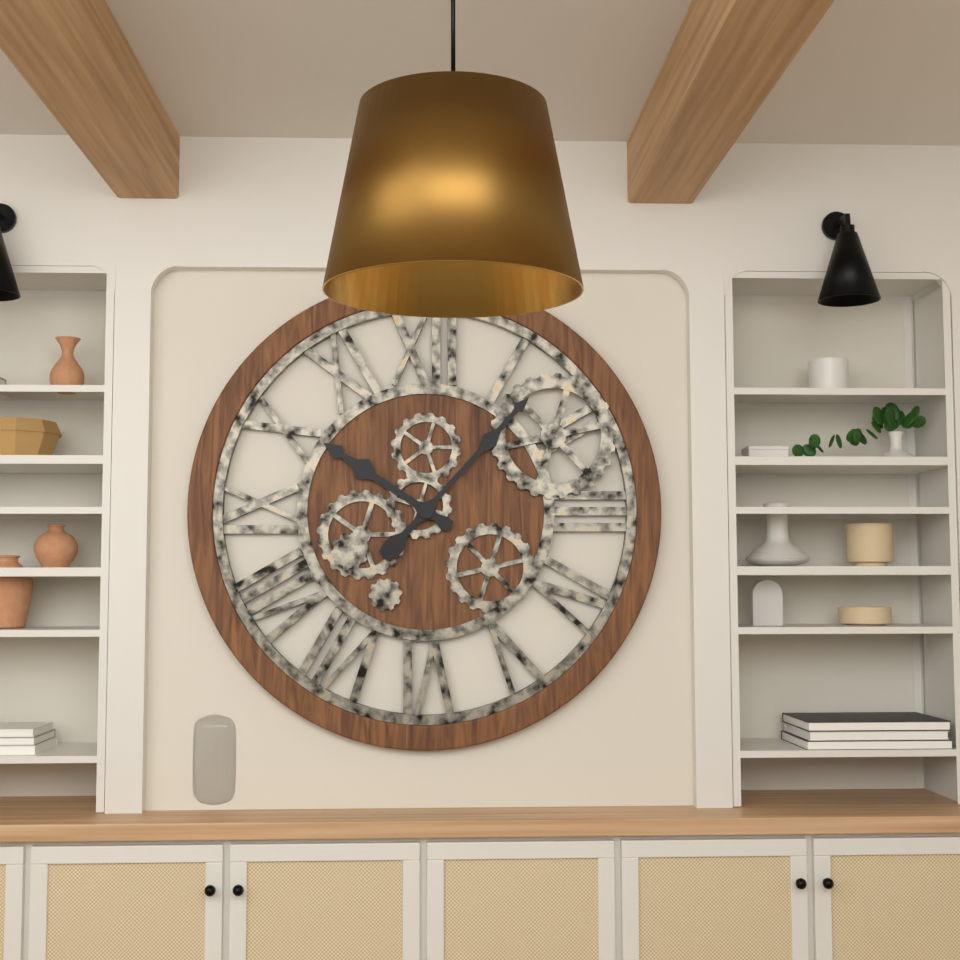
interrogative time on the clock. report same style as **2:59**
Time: **10:07**
